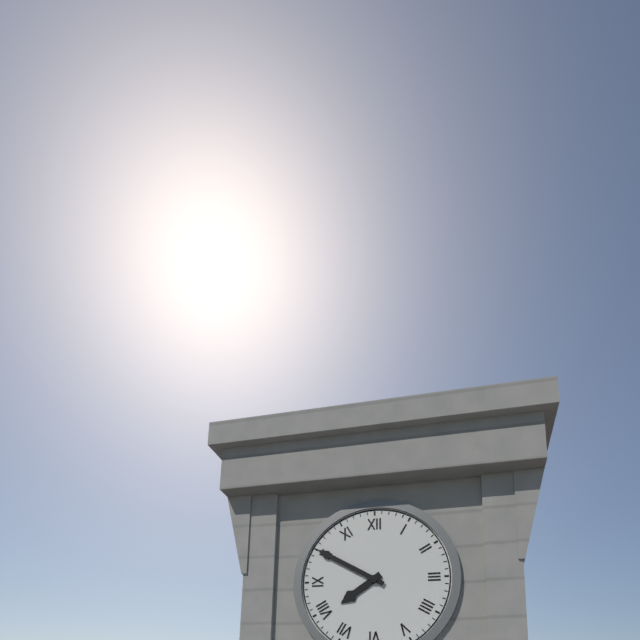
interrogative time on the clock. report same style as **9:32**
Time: **7:50**
